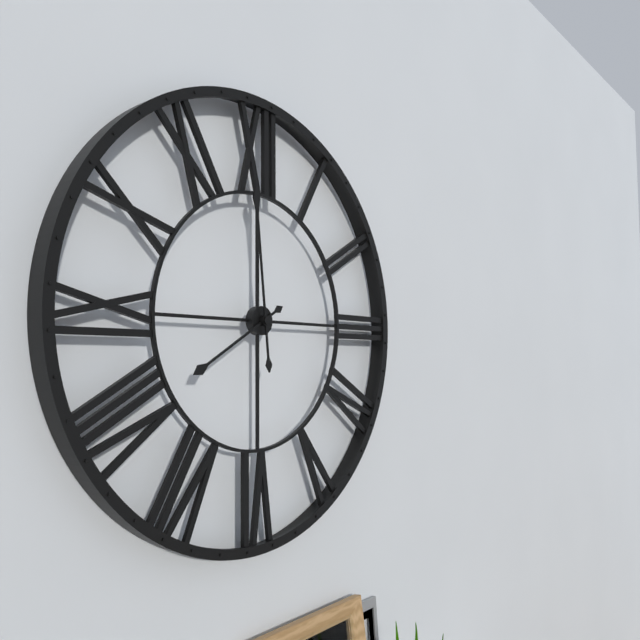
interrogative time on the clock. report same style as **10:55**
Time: **7:59**
